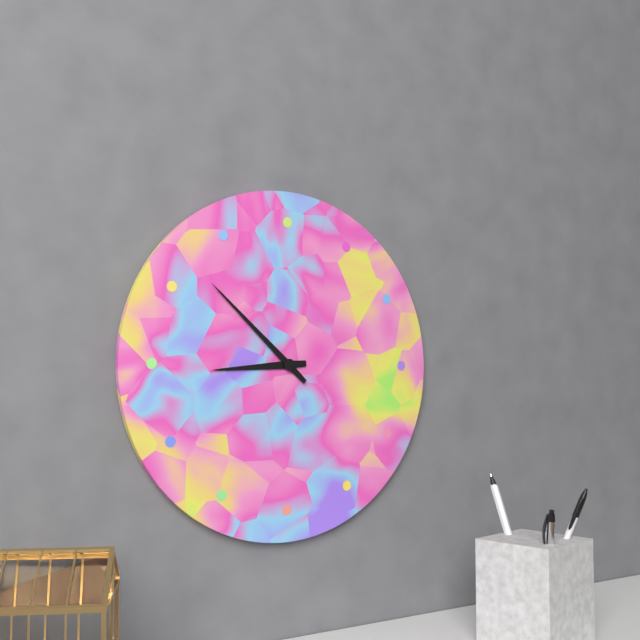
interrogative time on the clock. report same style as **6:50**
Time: **8:52**
